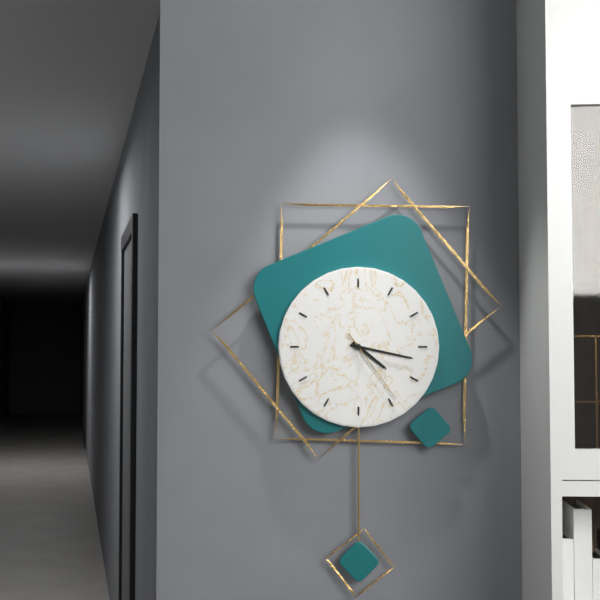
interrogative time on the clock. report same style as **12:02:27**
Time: **4:17:24**
